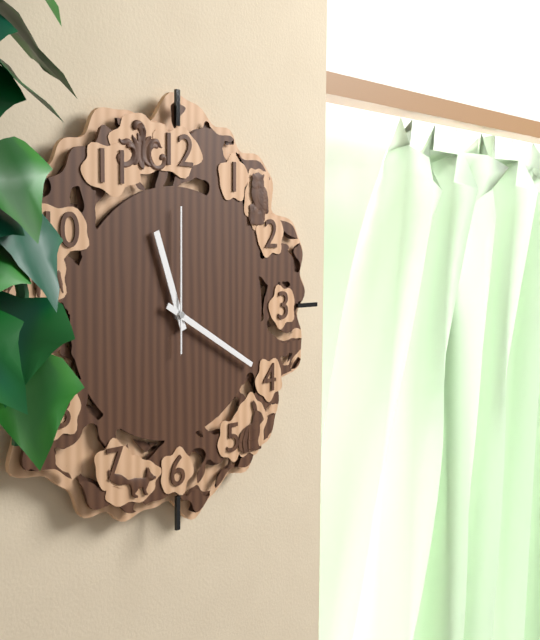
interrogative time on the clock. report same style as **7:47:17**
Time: **11:20:00**
